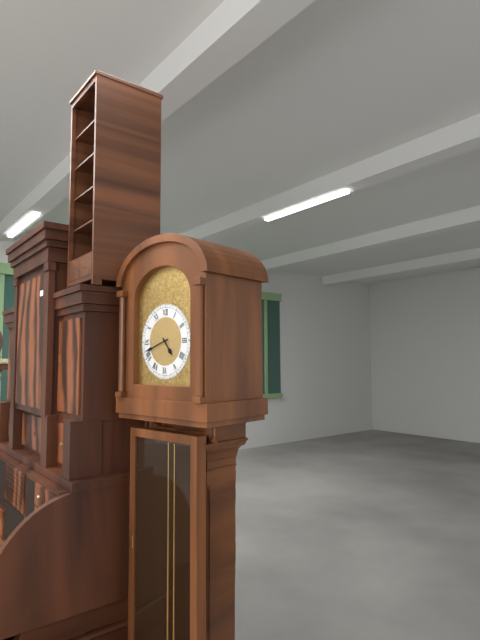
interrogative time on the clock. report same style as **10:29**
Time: **4:42**
